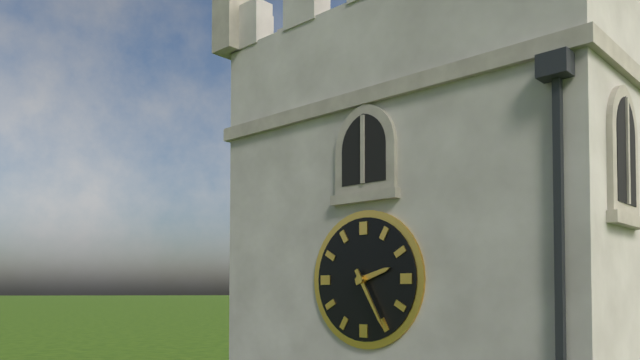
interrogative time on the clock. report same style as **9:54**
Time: **2:25**
